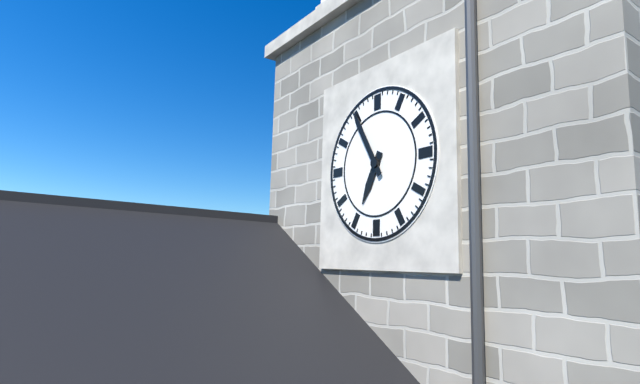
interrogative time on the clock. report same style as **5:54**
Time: **6:55**
